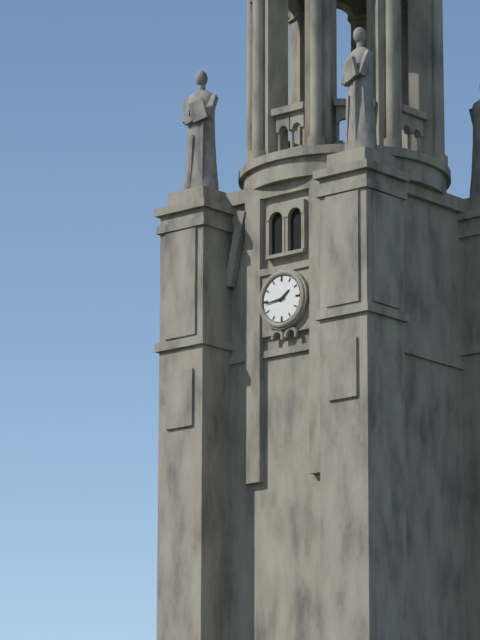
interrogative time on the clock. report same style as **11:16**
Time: **1:44**
